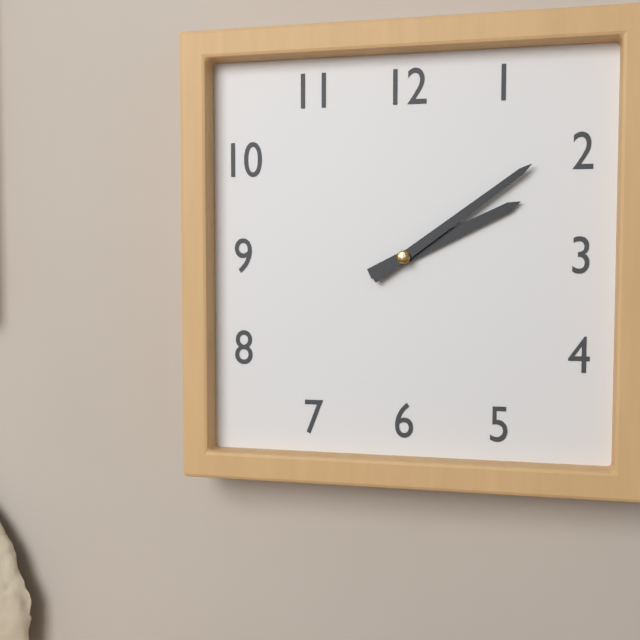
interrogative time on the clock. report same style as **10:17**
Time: **2:09**
